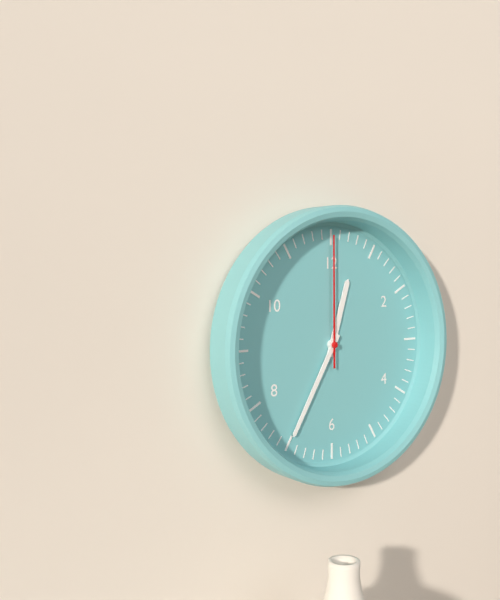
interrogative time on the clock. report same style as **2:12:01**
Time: **12:35:00**
